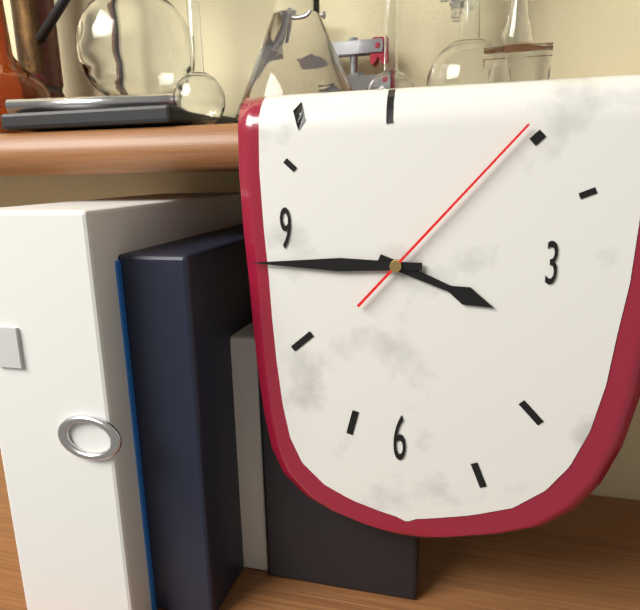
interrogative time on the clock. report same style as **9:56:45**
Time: **3:45:07**
